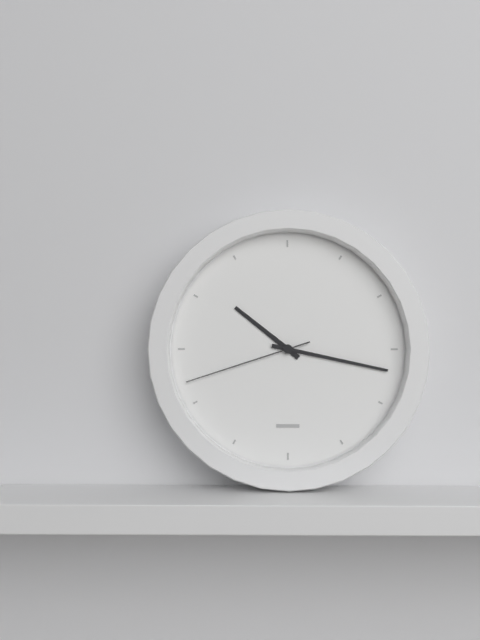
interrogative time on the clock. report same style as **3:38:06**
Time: **10:17:42**
